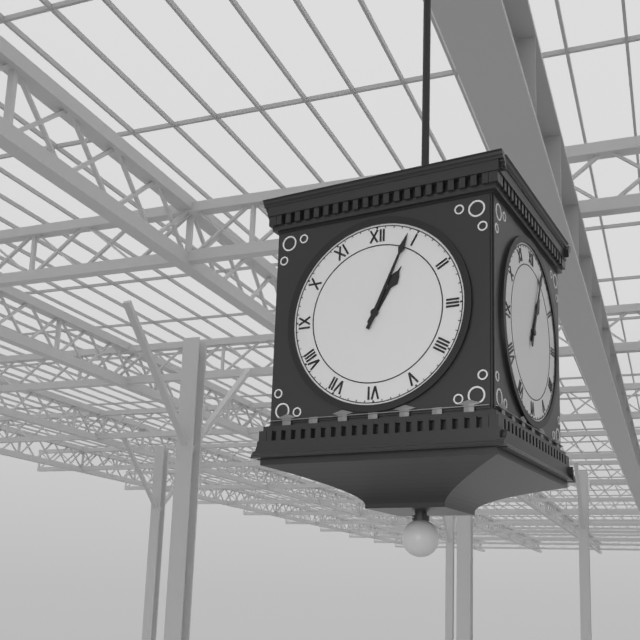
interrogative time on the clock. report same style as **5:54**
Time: **1:04**
